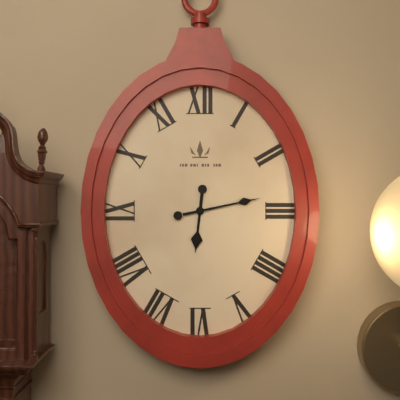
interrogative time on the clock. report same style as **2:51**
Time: **6:13**
